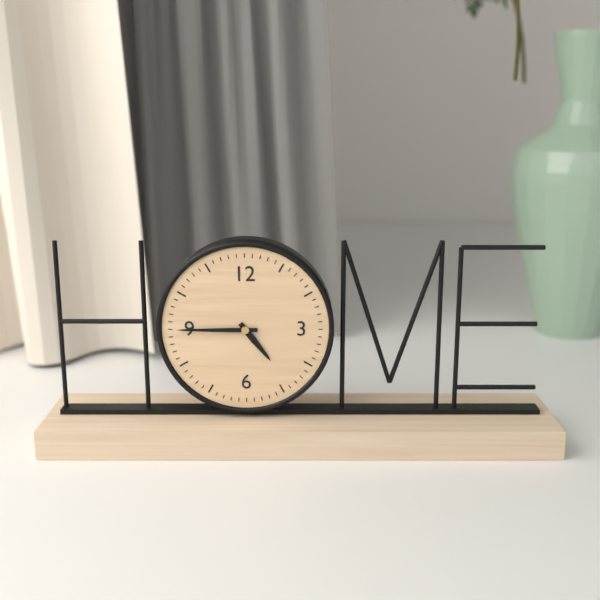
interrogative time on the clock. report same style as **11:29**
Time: **4:45**
